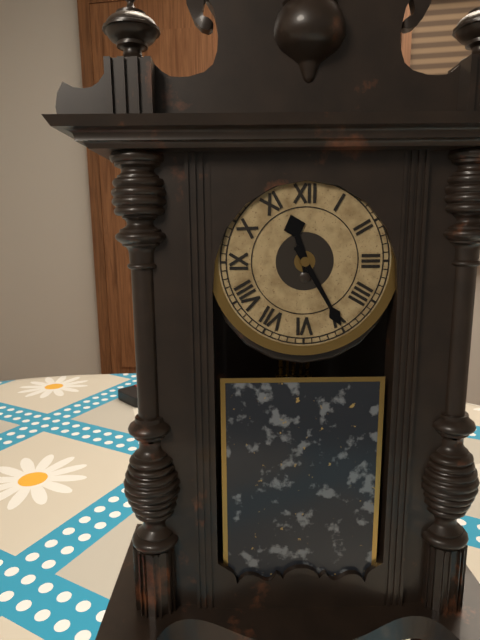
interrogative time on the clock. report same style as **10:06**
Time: **11:25**
